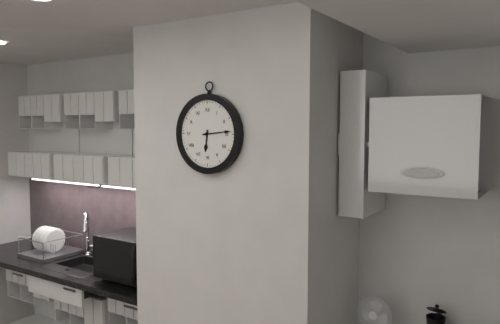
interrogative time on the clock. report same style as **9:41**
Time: **6:14**
